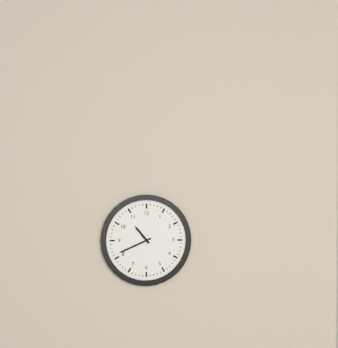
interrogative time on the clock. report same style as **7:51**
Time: **10:41**
